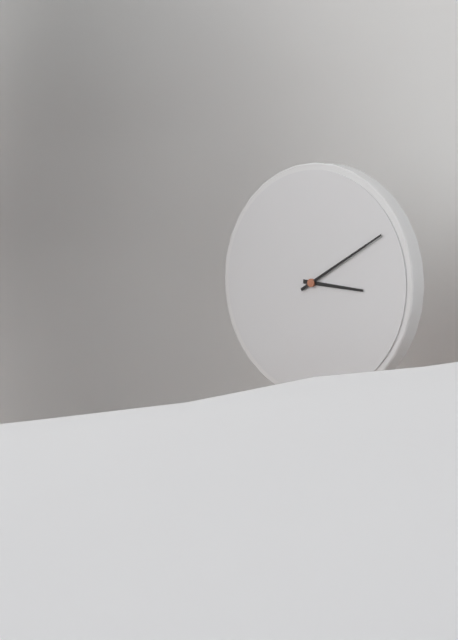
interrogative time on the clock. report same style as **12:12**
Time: **3:10**
